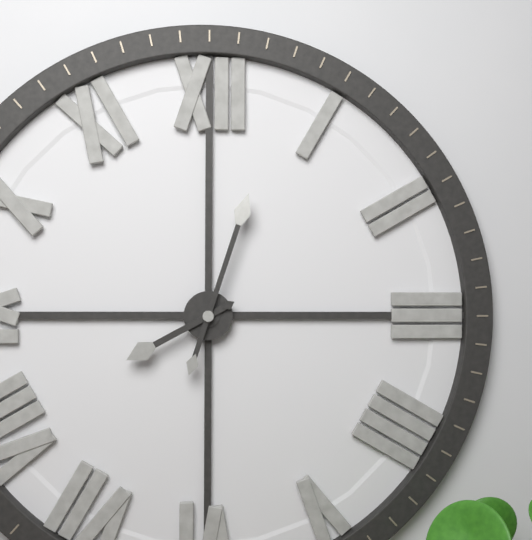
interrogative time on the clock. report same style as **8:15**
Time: **8:03**
